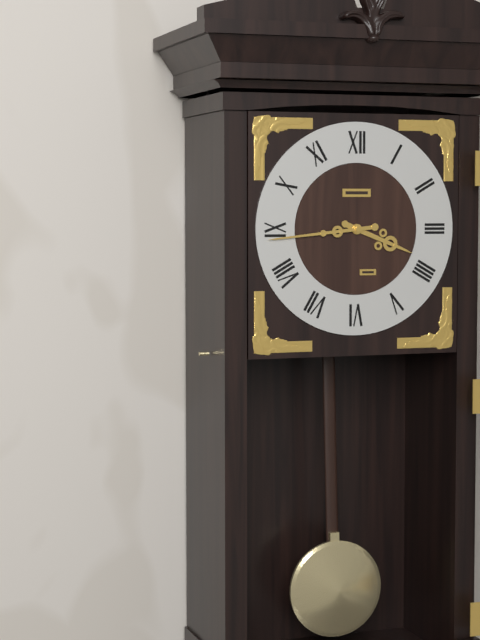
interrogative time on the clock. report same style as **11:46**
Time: **3:44**
